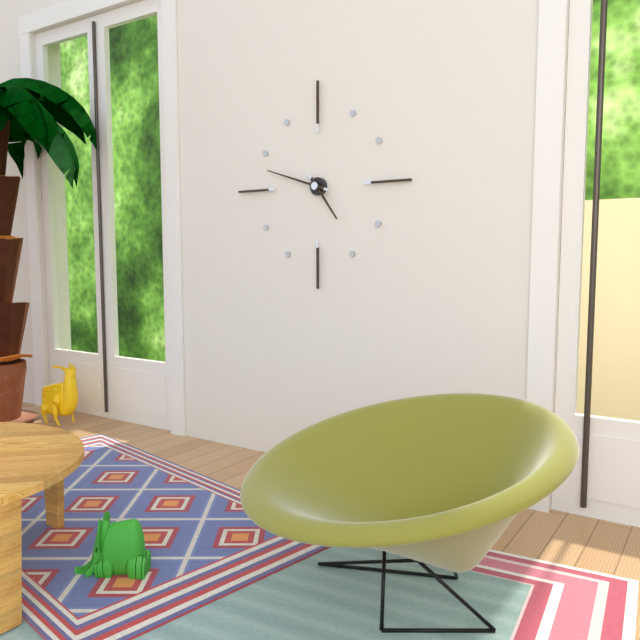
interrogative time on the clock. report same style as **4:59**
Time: **4:48**
